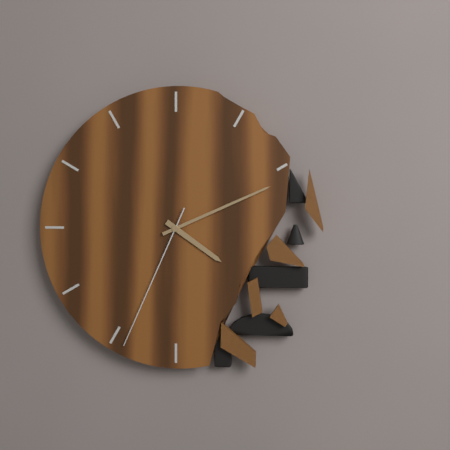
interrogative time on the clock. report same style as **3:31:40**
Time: **4:11:34**
